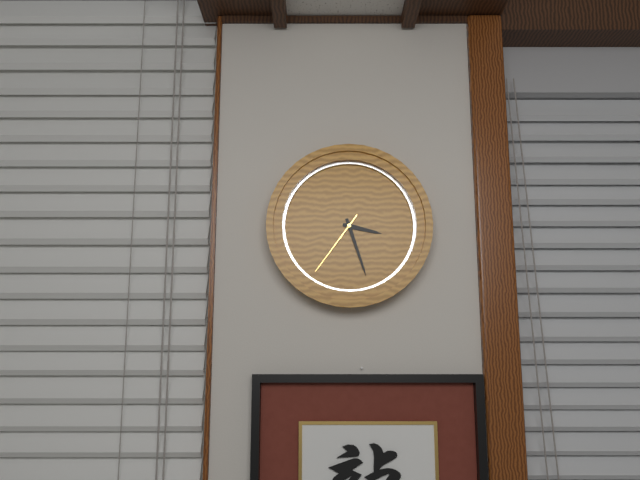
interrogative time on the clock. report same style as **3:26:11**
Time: **3:27:36**
